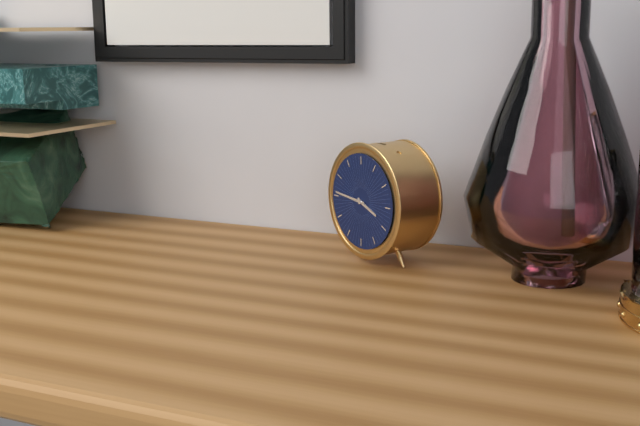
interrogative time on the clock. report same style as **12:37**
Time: **3:46**
